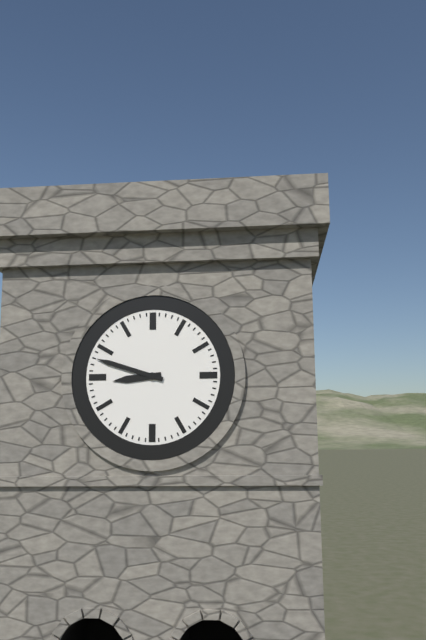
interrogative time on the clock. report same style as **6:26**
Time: **8:48**
